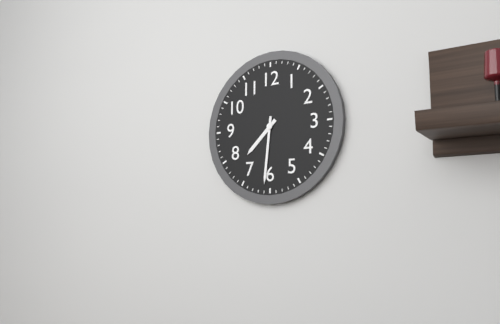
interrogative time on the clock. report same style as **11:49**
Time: **7:31**
